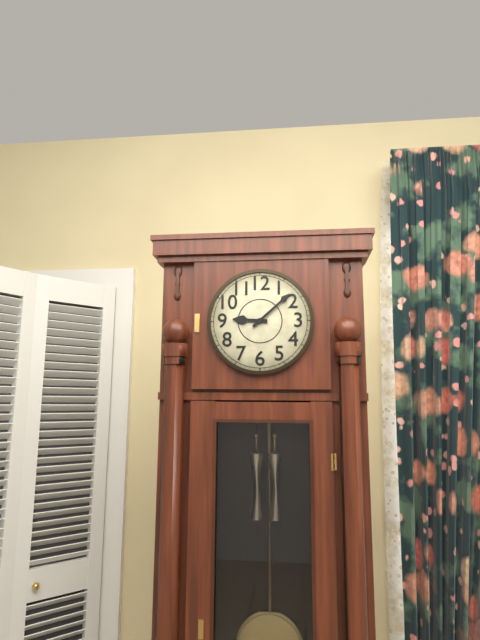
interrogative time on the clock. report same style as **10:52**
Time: **9:08**
